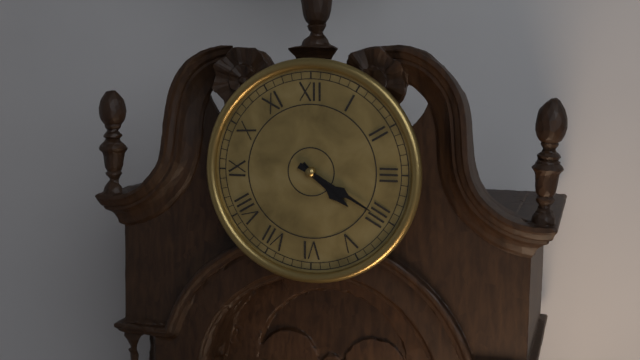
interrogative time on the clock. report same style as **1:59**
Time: **4:20**
